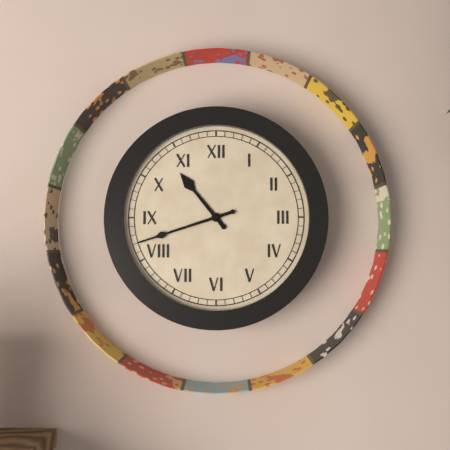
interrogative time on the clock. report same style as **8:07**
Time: **10:42**
